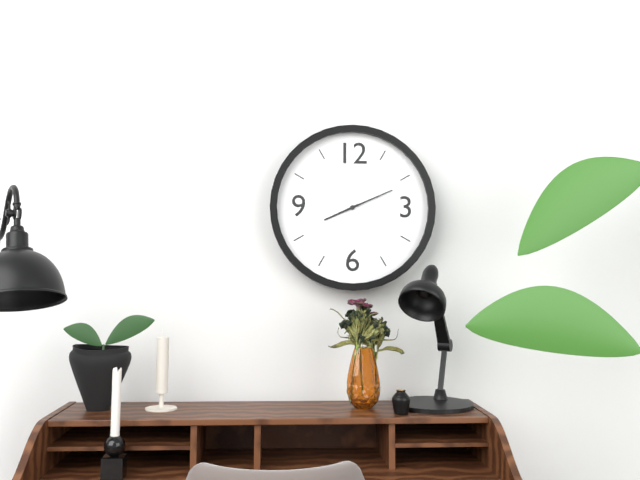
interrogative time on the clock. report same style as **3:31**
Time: **8:11**
